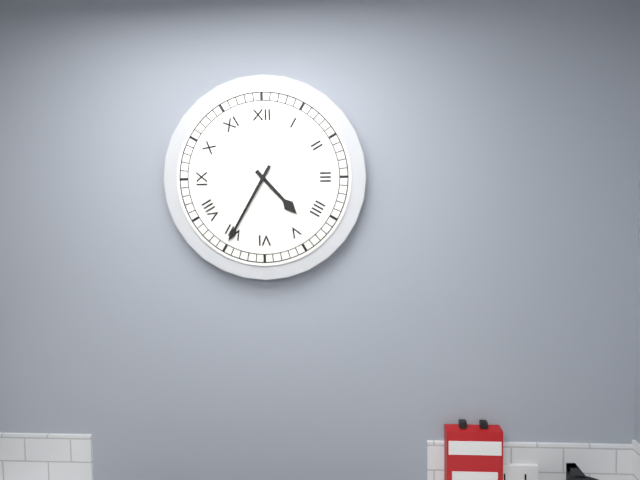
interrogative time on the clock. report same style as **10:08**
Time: **4:35**
